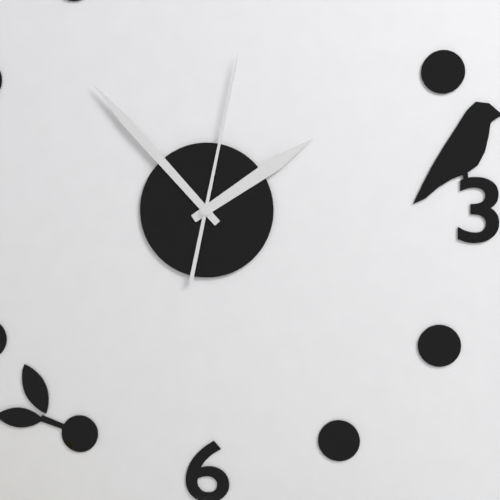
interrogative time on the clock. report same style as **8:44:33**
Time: **1:53:02**
